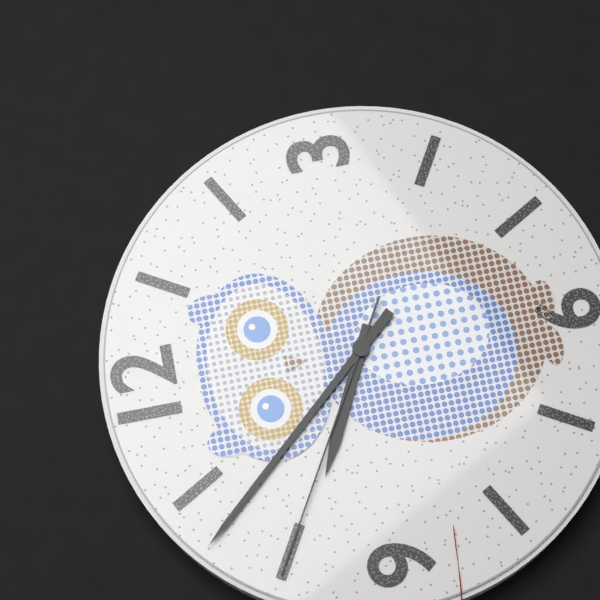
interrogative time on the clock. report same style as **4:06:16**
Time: **9:53:50**
